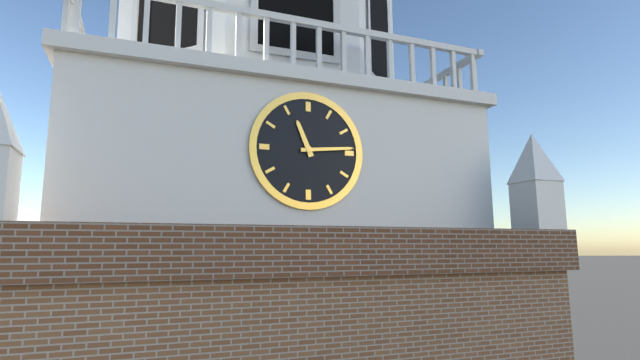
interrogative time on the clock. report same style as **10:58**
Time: **11:14**
